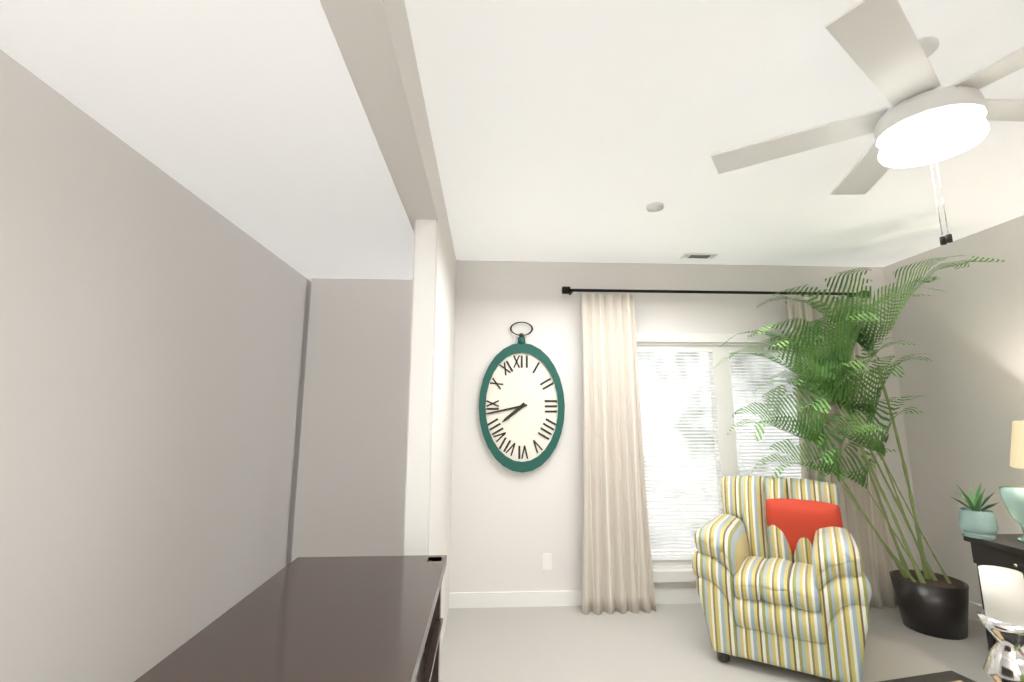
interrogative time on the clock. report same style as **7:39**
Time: **7:43**
